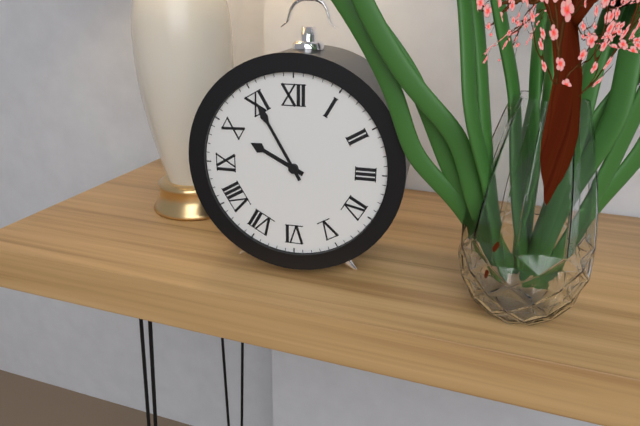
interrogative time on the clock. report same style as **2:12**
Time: **9:55**
